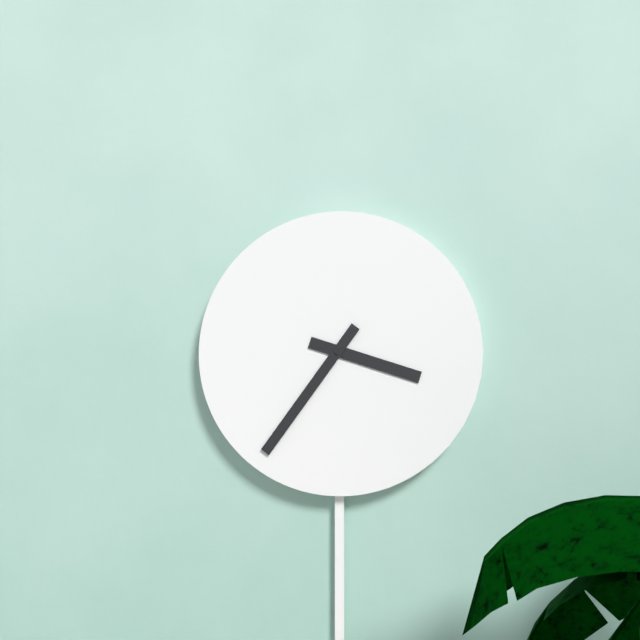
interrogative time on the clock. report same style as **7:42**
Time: **3:36**
